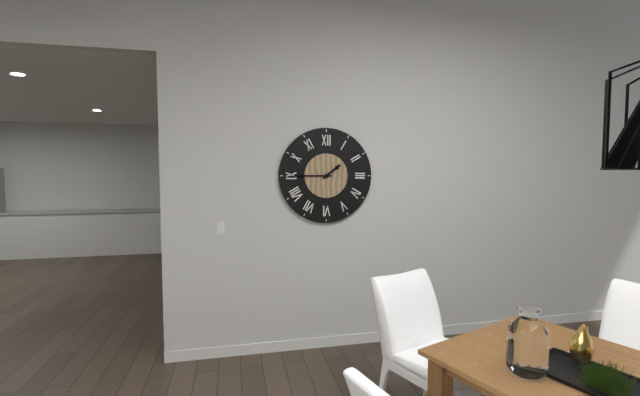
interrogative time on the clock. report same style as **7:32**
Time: **1:45**
